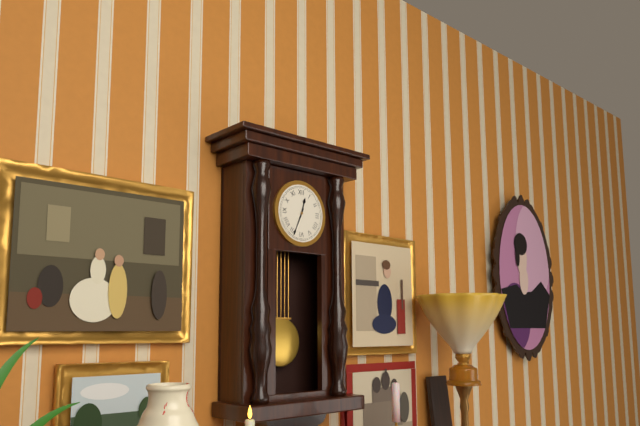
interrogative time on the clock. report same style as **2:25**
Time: **12:34**
